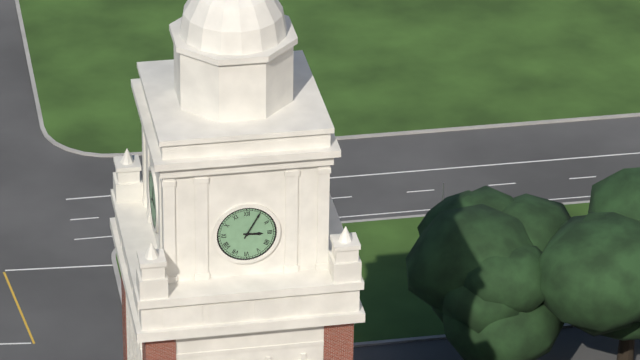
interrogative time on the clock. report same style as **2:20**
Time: **3:05**
